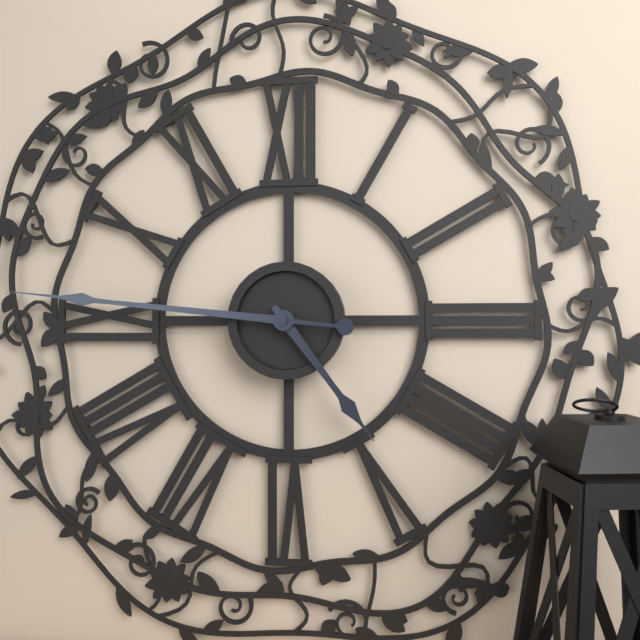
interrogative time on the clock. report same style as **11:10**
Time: **4:46**
